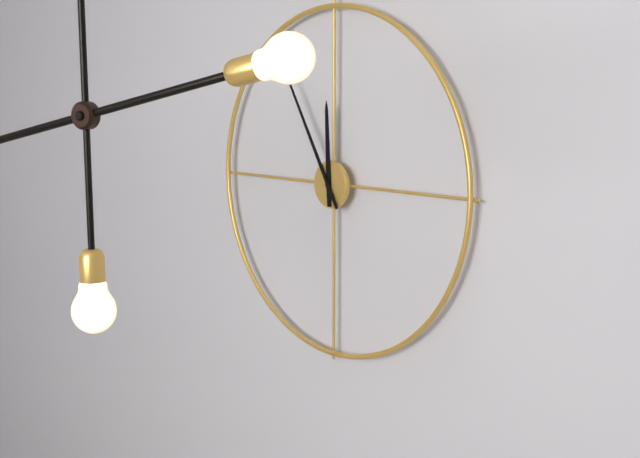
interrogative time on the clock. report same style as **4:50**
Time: **11:55**
